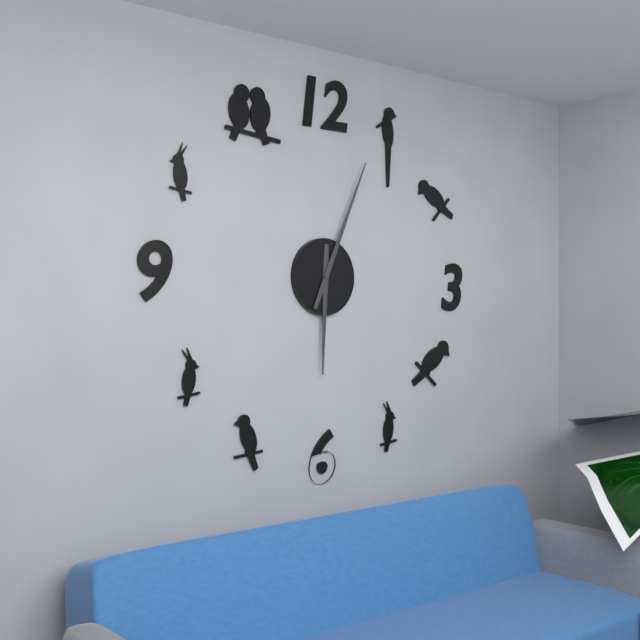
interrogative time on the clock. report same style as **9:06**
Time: **6:04**
